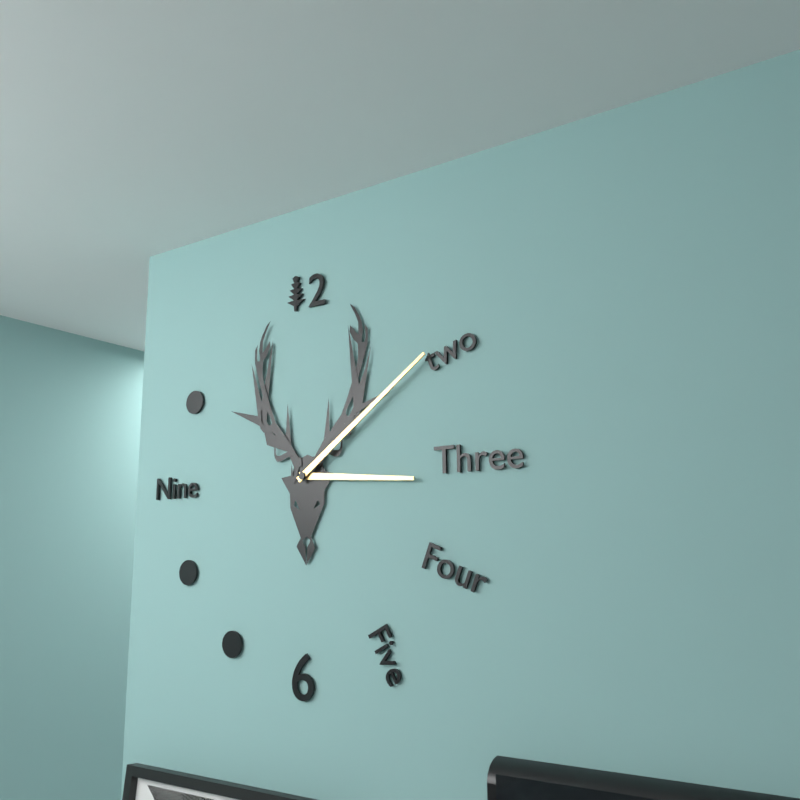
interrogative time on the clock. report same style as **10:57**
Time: **3:09**
